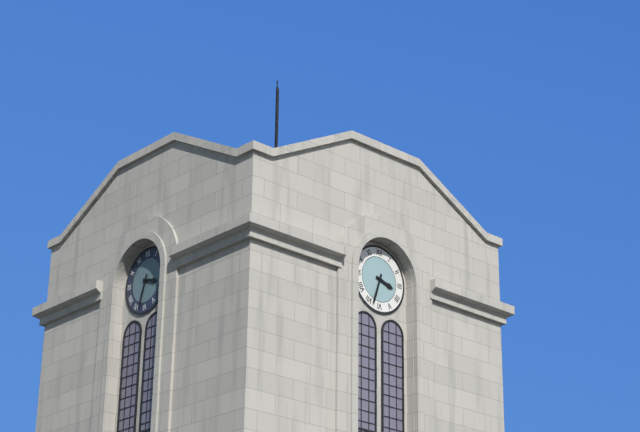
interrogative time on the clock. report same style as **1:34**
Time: **3:33**
